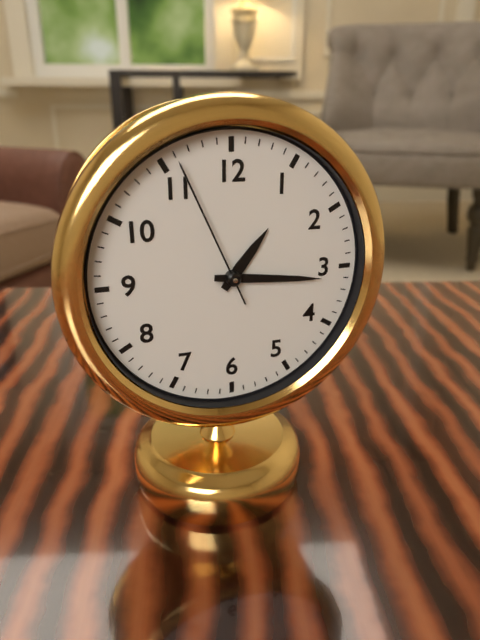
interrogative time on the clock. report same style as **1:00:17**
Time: **1:16:56**
